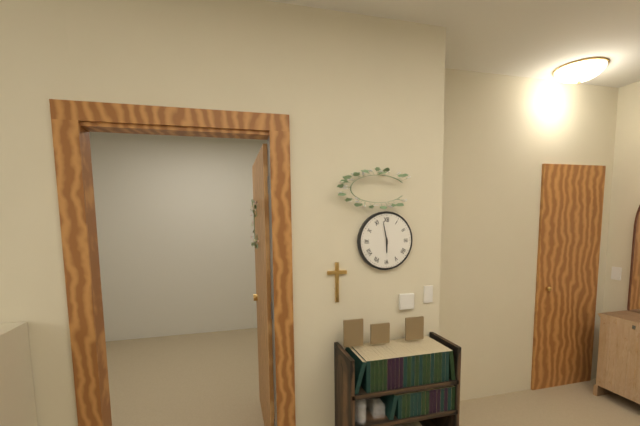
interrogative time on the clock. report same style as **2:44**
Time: **5:58**
